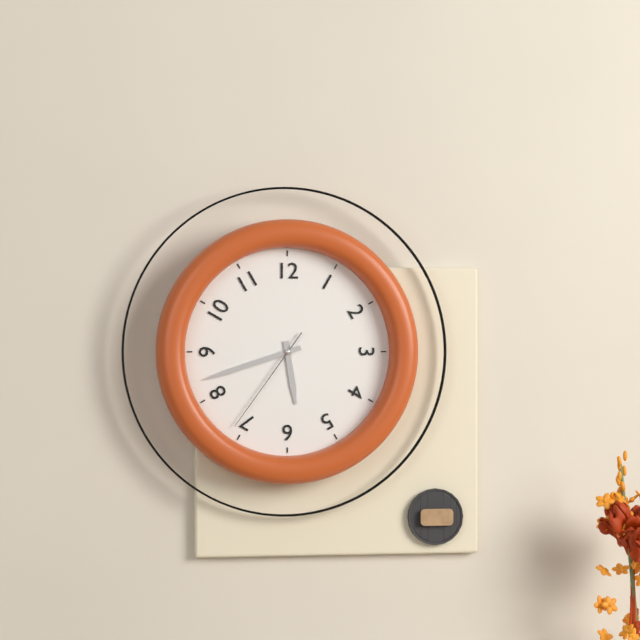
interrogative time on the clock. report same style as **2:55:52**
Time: **5:42:36**
